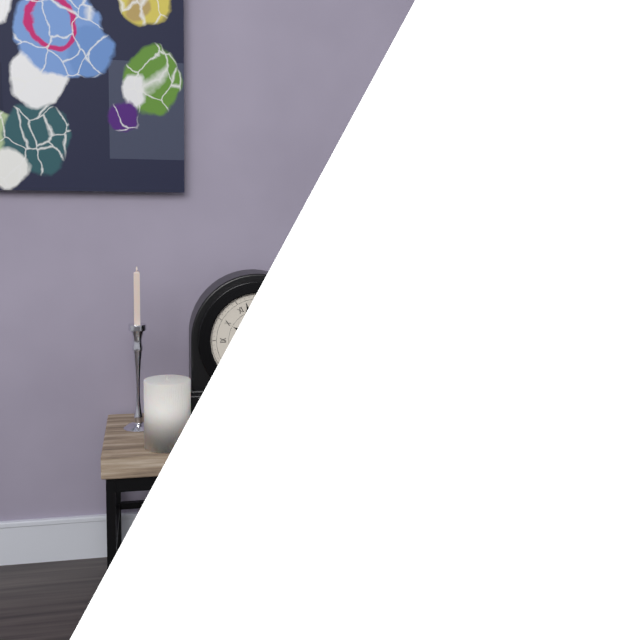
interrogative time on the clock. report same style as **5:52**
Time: **9:57**
